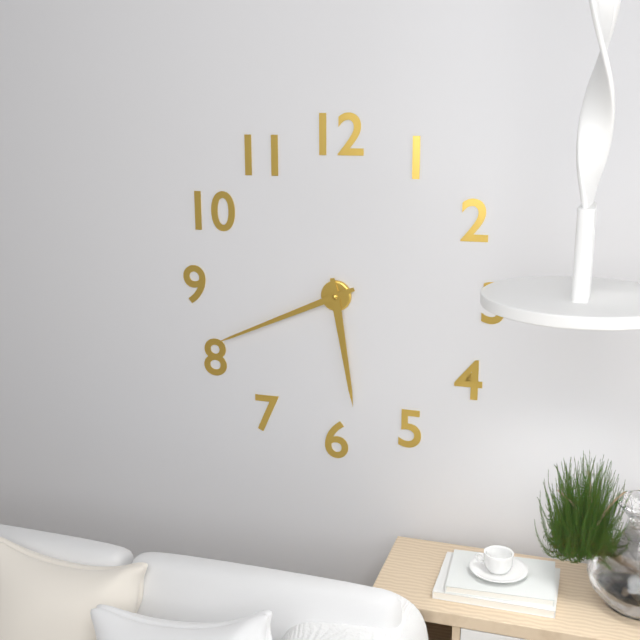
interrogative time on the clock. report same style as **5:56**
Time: **5:41**
